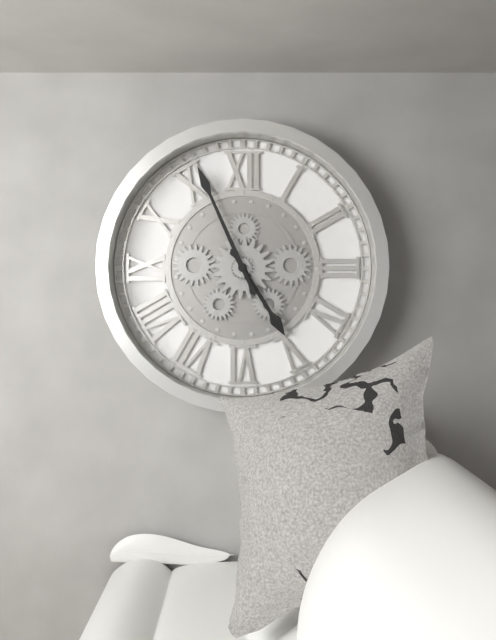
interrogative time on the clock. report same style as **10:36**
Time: **4:56**
